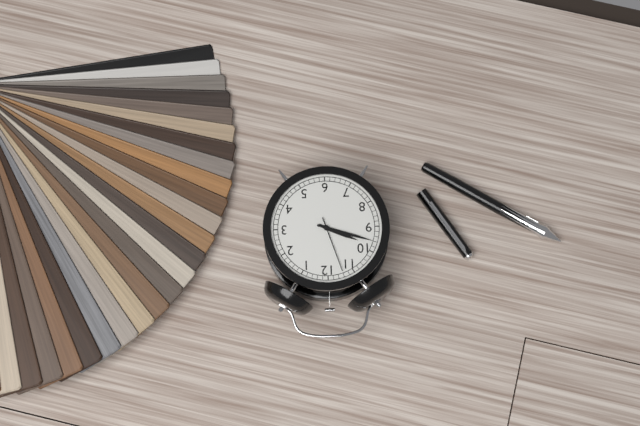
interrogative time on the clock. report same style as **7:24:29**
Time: **9:48:57**
